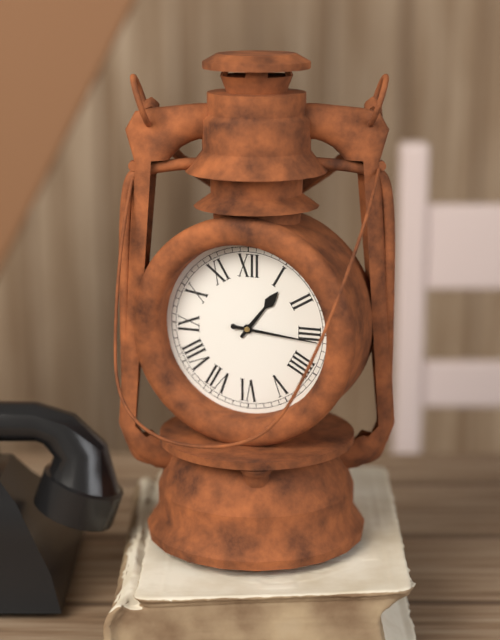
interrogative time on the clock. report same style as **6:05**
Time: **1:16**
